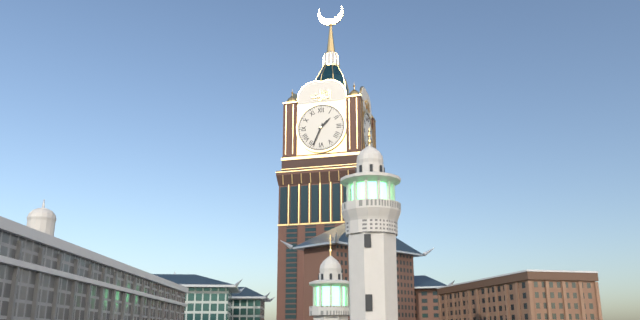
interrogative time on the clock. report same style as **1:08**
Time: **1:34**
